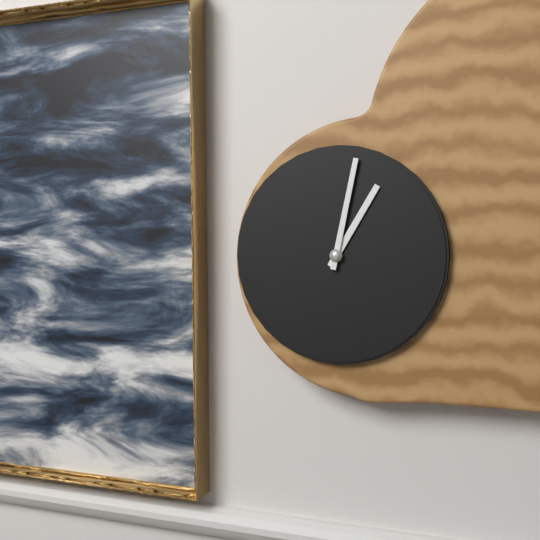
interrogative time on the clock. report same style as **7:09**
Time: **1:02**
